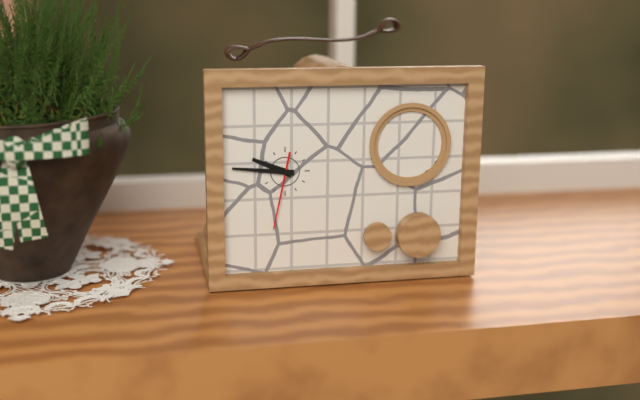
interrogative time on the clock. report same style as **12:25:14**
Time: **9:46:32**
